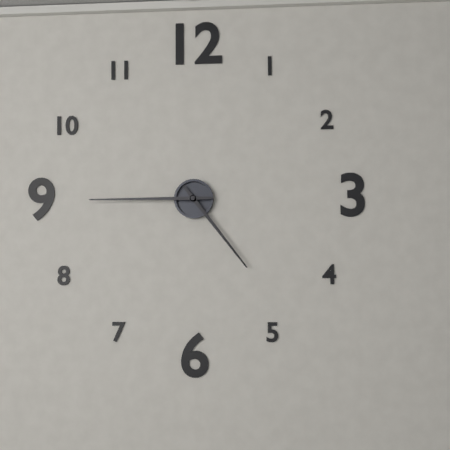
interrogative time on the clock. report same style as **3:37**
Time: **4:45**
